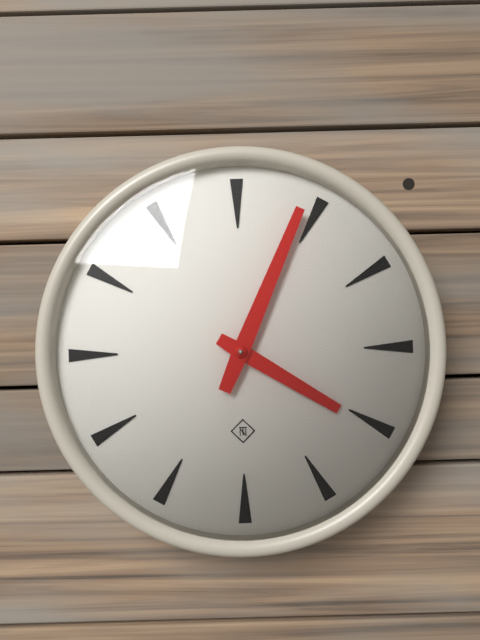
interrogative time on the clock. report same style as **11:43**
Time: **4:04**
